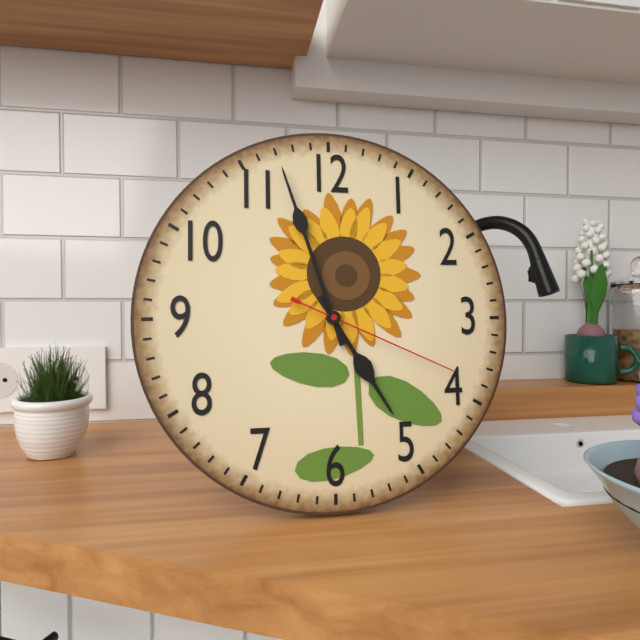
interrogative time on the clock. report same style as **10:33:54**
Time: **4:57:19**
